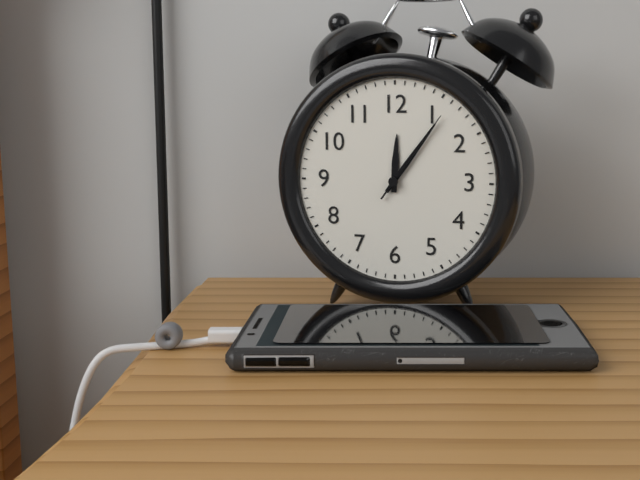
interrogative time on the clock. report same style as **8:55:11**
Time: **12:06:06**
